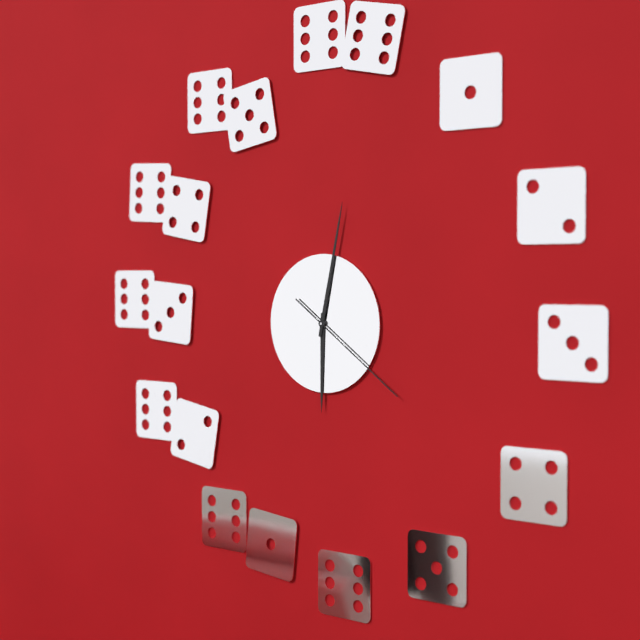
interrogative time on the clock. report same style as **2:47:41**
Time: **6:02:21**
